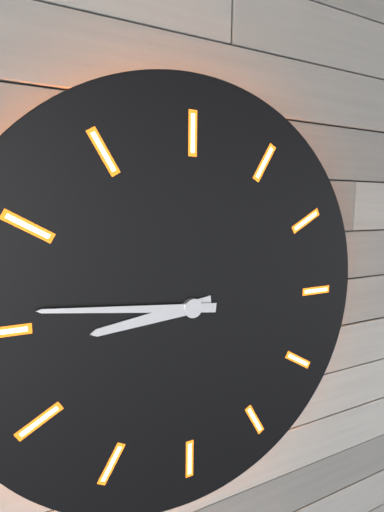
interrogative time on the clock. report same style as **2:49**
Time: **8:46**
